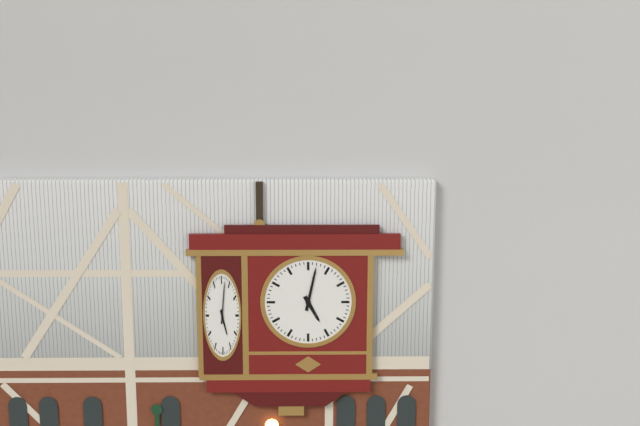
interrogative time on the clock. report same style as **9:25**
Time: **5:02**
